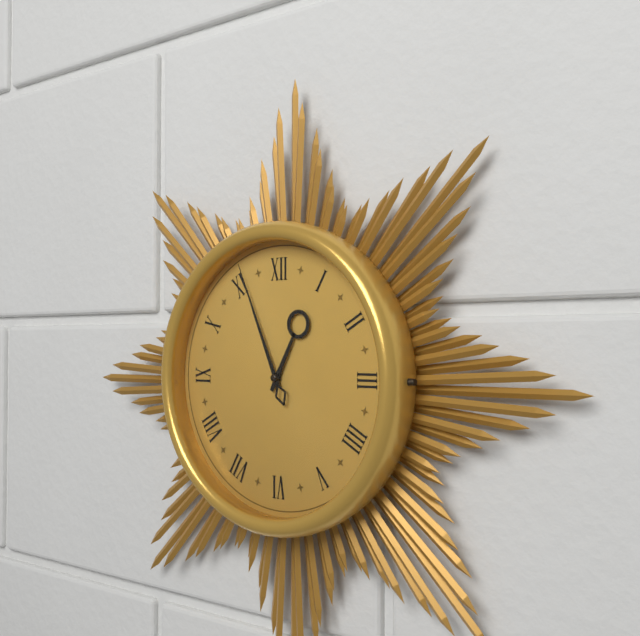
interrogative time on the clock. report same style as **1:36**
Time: **12:56**
